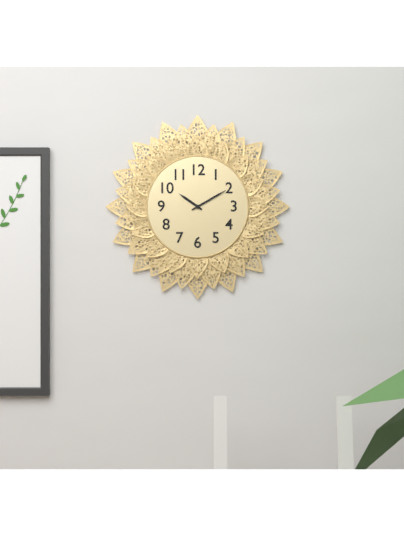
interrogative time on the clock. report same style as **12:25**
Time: **10:10**
